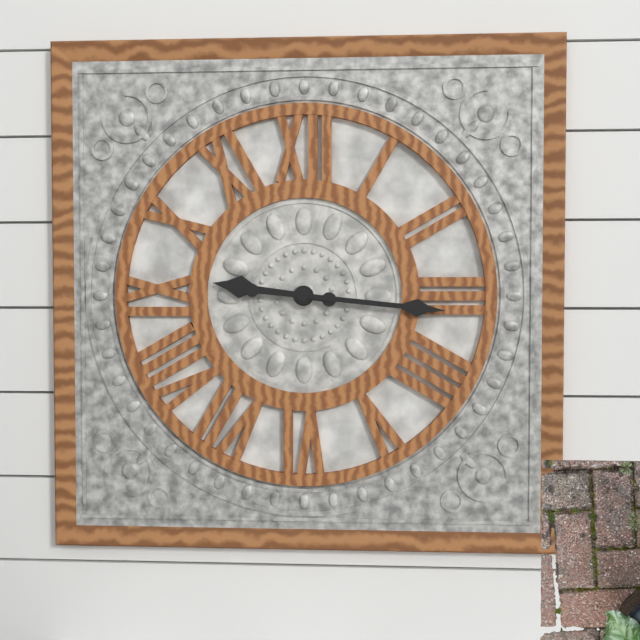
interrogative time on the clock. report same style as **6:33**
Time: **9:16**
